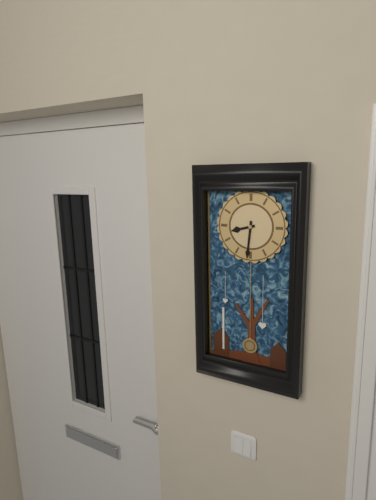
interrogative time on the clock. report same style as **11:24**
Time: **8:31**
